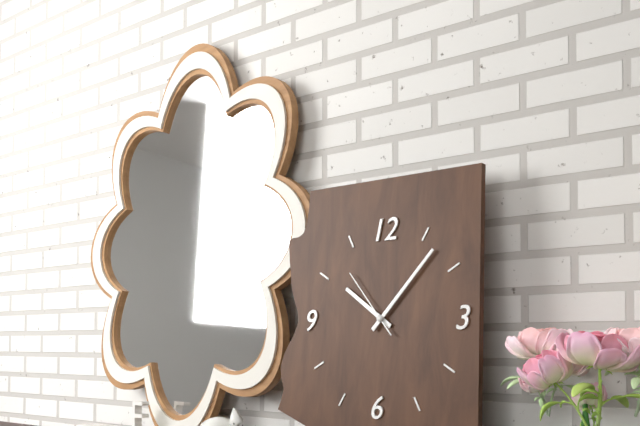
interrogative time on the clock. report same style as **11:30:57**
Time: **10:07:53**
